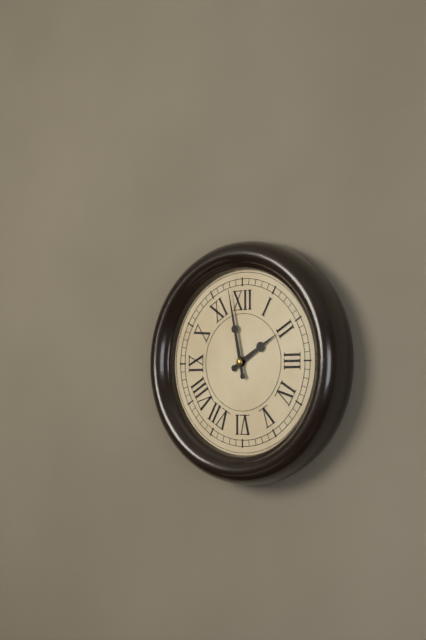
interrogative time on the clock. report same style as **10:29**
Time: **1:58**
